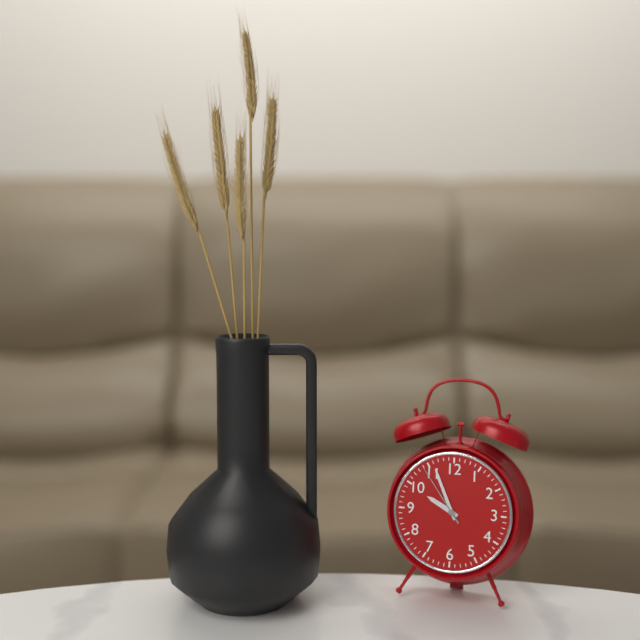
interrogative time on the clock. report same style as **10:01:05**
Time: **9:56:54**
